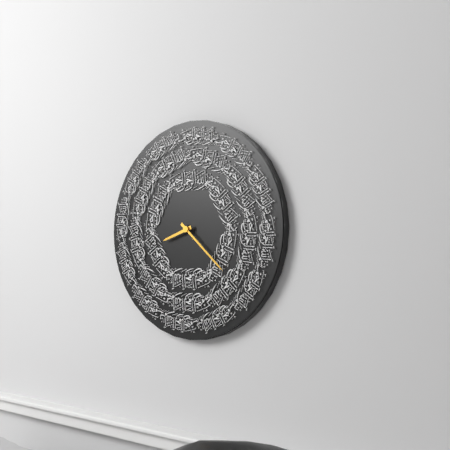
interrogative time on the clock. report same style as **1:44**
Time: **8:22**
